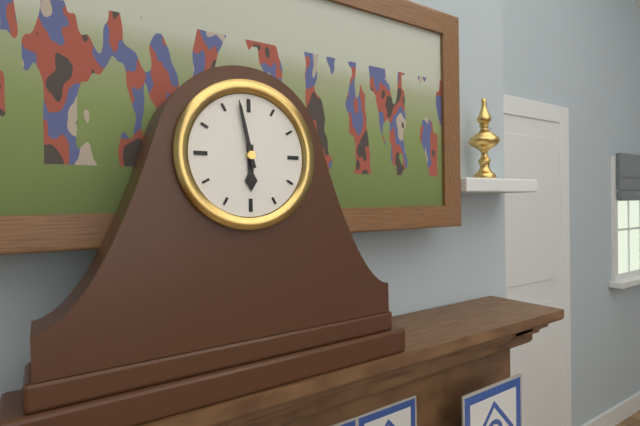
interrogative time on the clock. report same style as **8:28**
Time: **5:58**
